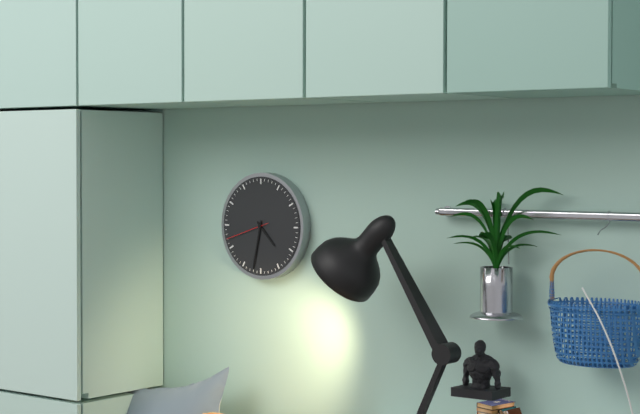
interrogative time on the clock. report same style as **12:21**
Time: **4:32**
